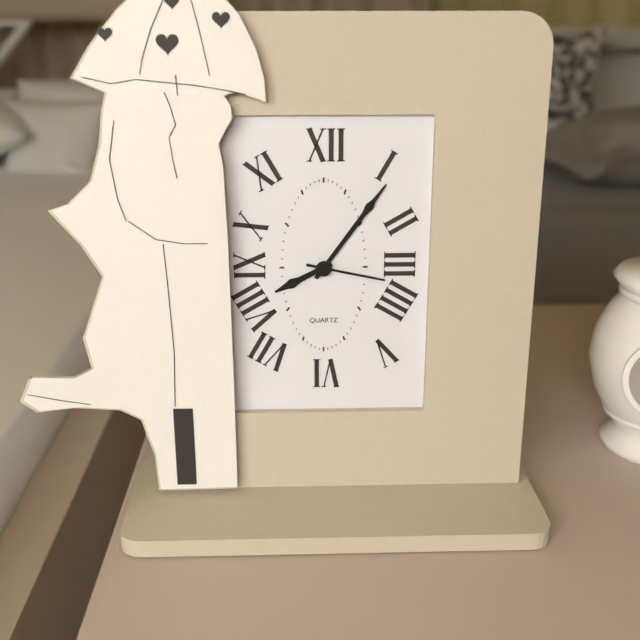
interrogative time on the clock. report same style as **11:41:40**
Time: **8:06:17**
